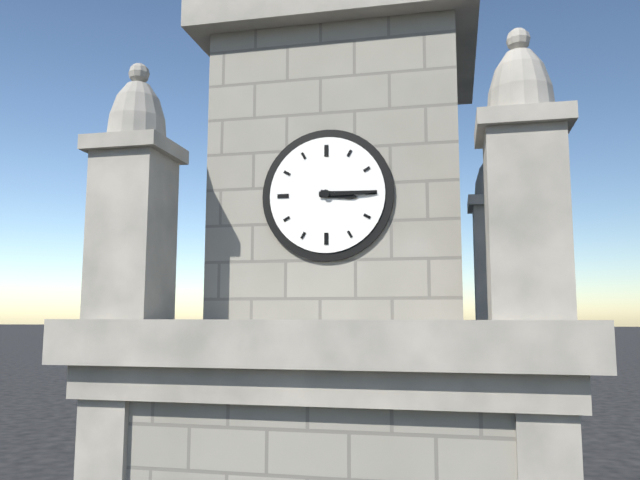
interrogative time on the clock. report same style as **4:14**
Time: **3:15**
